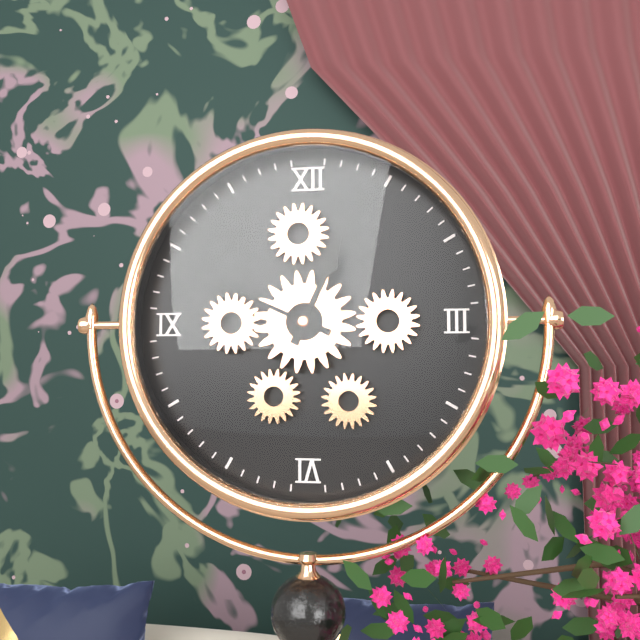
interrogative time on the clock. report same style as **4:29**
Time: **12:49**
